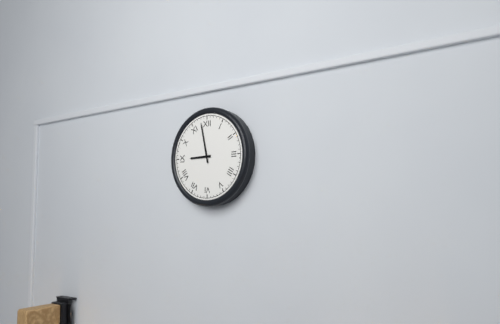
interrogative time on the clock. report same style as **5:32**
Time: **8:58**
